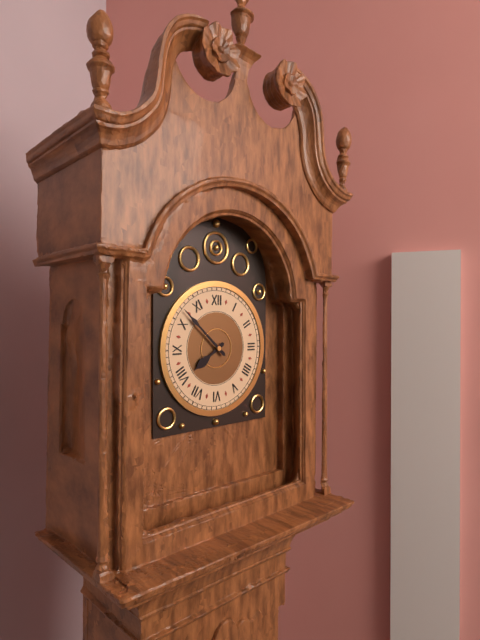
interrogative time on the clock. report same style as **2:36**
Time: **7:52**
